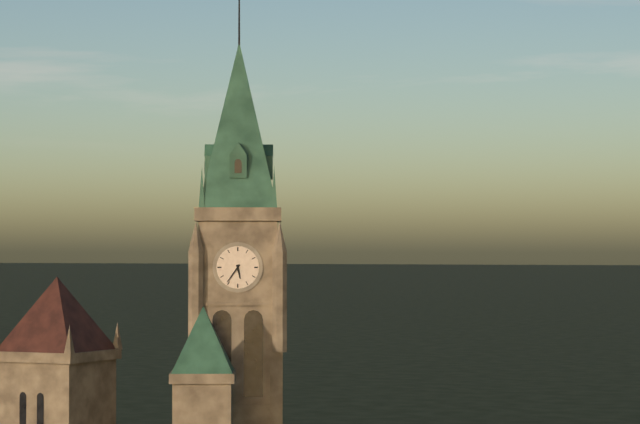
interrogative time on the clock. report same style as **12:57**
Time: **5:36**
